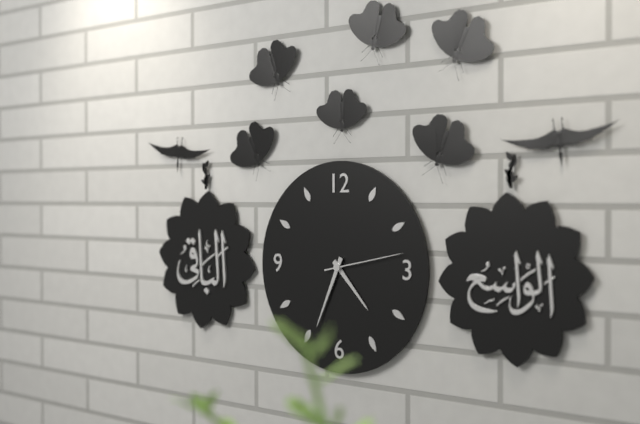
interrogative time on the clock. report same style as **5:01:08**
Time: **4:34:13**
